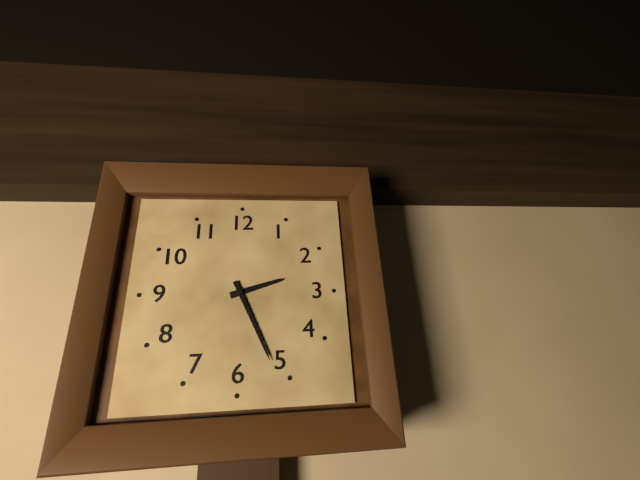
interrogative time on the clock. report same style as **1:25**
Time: **2:26**
